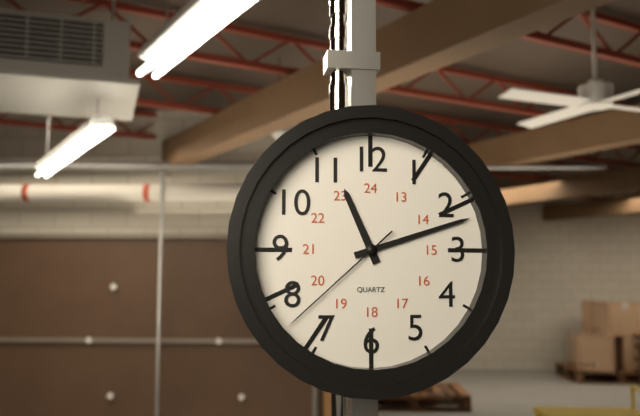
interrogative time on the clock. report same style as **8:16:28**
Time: **11:12:38**
